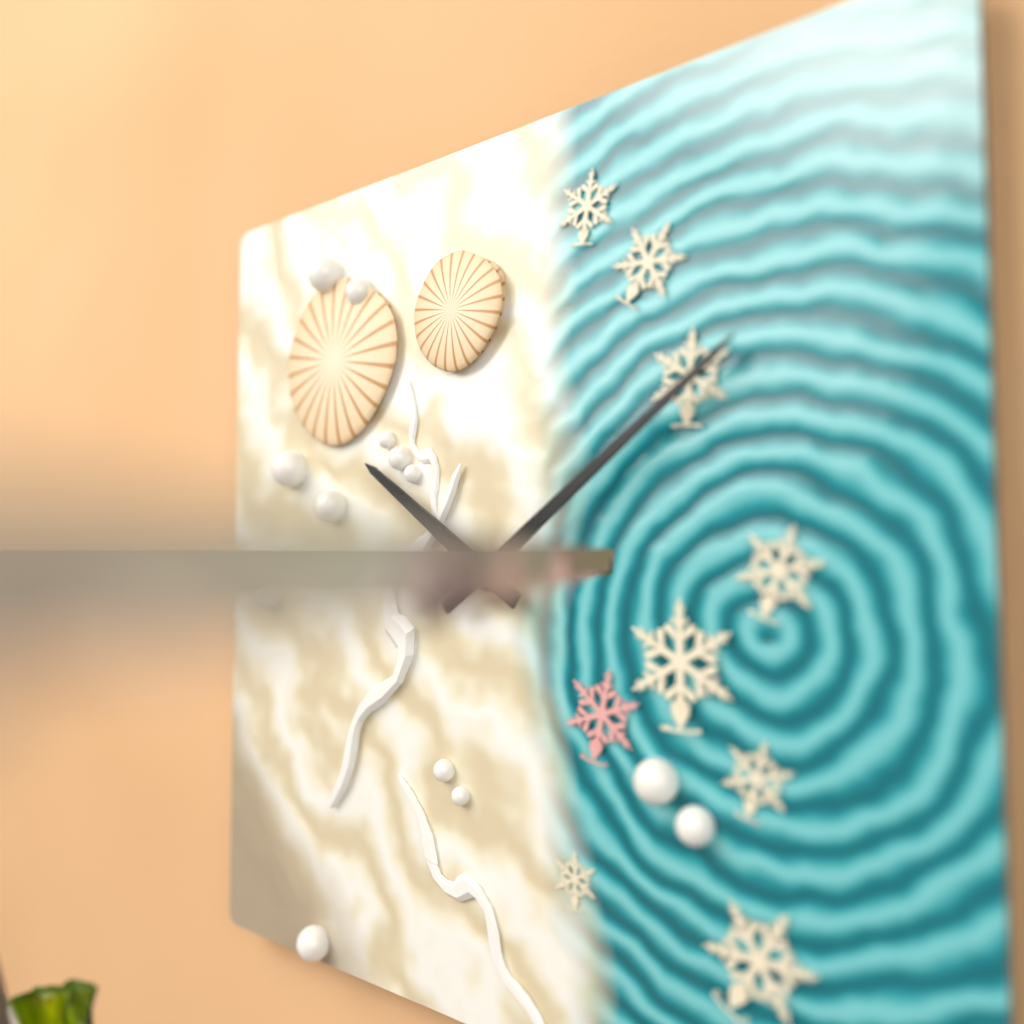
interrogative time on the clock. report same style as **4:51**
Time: **10:09**
